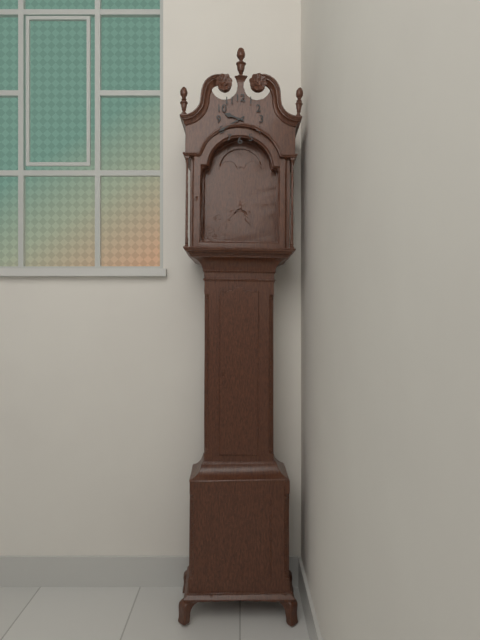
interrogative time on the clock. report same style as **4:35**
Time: **9:40**
